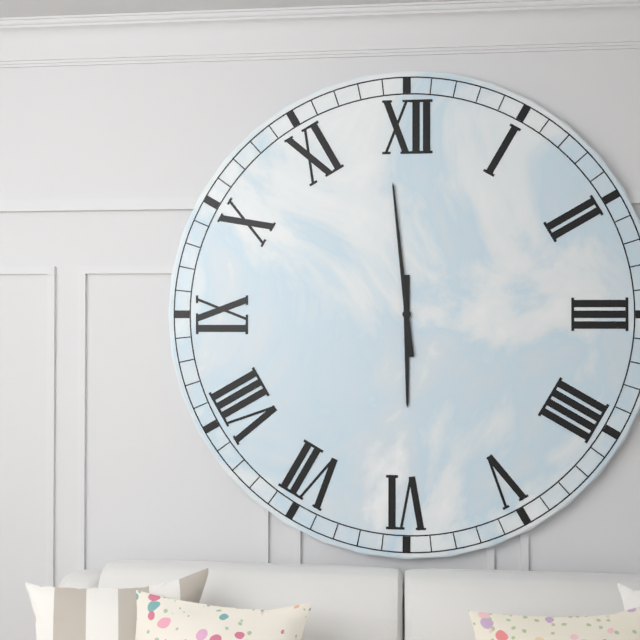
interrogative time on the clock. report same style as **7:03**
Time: **5:59**
